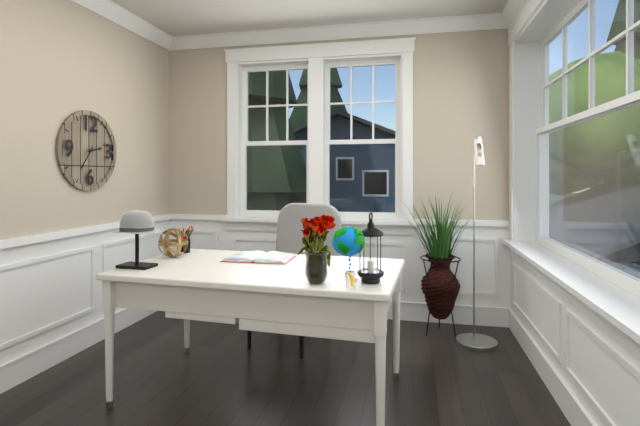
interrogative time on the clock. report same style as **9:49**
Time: **2:36**
